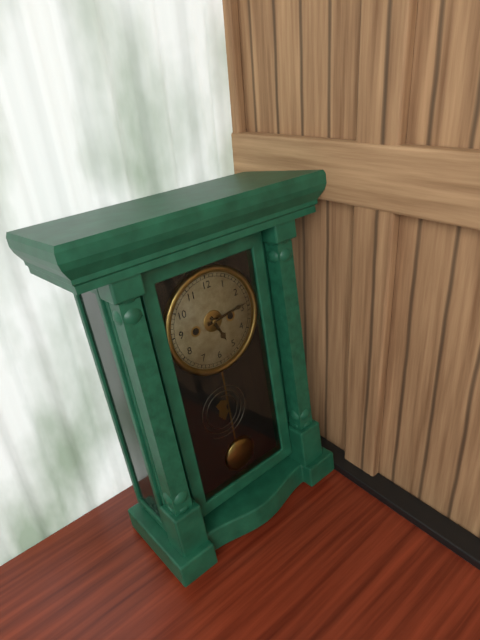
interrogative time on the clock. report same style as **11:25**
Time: **5:14**
